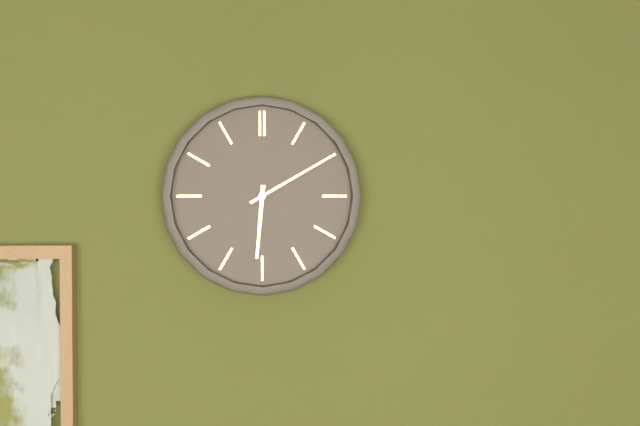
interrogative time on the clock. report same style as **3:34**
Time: **6:10**
